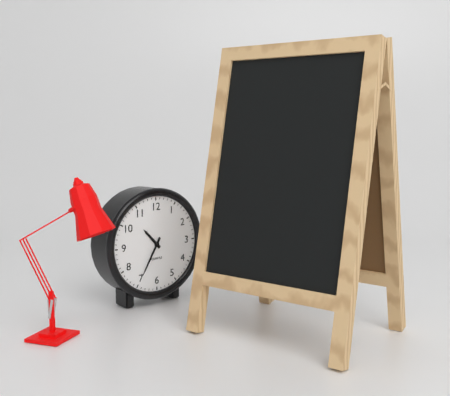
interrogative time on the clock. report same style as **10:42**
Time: **10:35**
